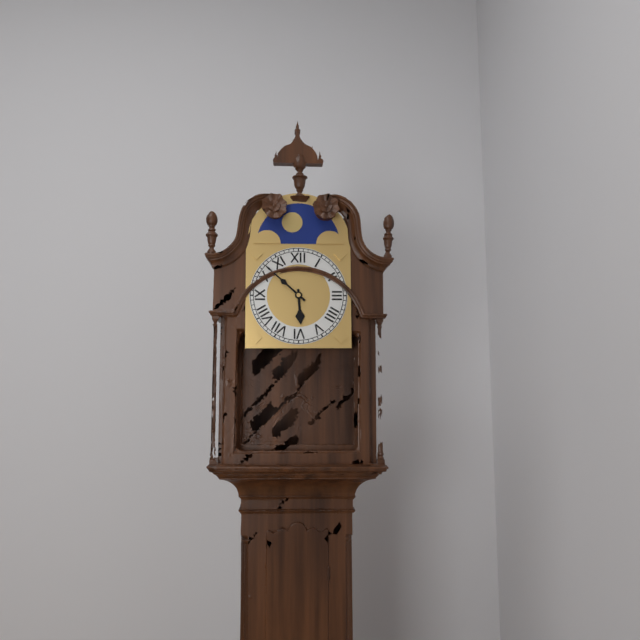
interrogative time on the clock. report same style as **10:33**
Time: **5:52**
